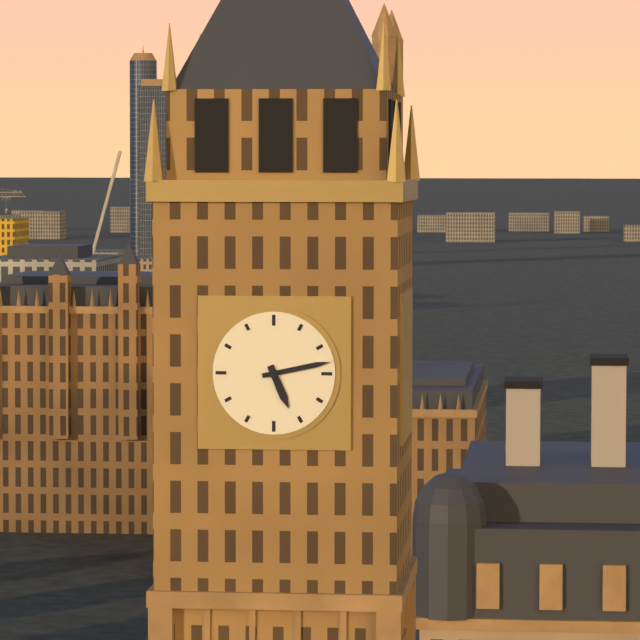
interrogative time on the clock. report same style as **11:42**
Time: **5:13**
